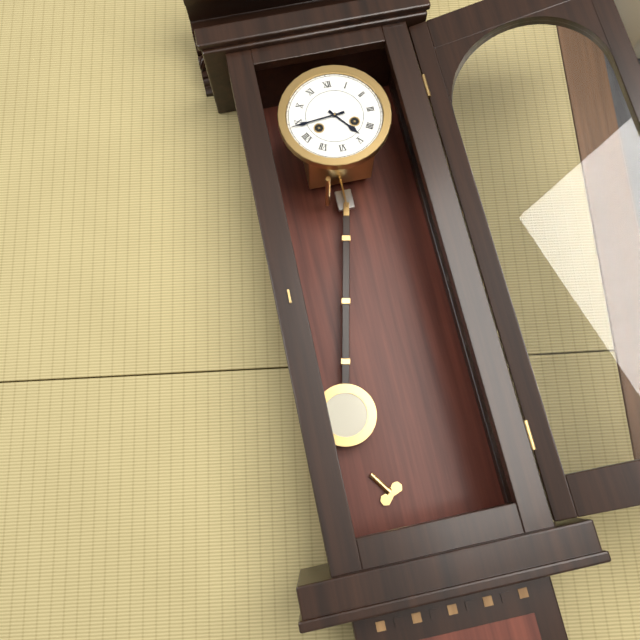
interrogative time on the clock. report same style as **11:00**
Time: **4:44**
